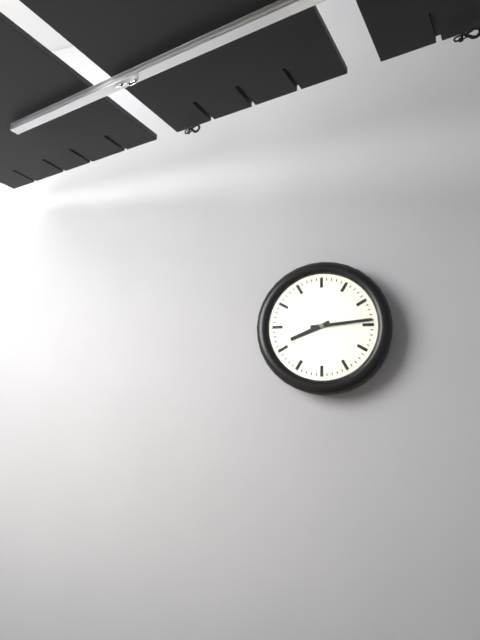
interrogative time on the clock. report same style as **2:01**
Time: **8:14**
